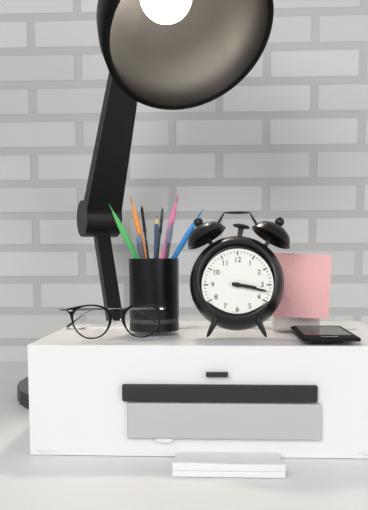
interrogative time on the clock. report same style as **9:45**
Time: **3:17**
